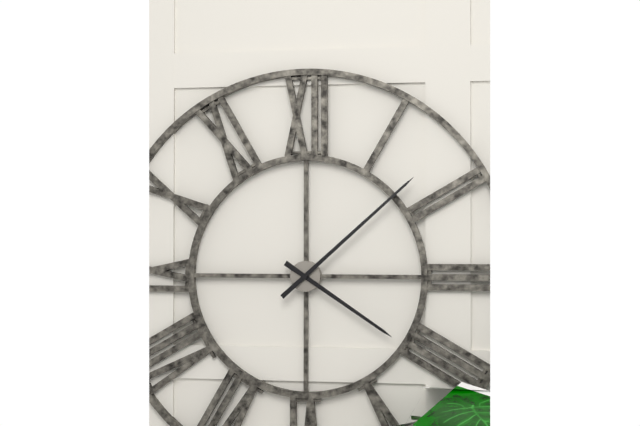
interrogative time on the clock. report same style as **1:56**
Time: **4:08**
